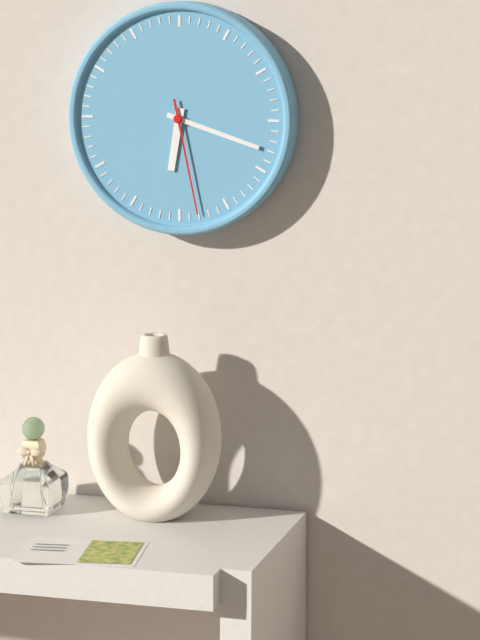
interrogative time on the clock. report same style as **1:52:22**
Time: **6:18:28**
